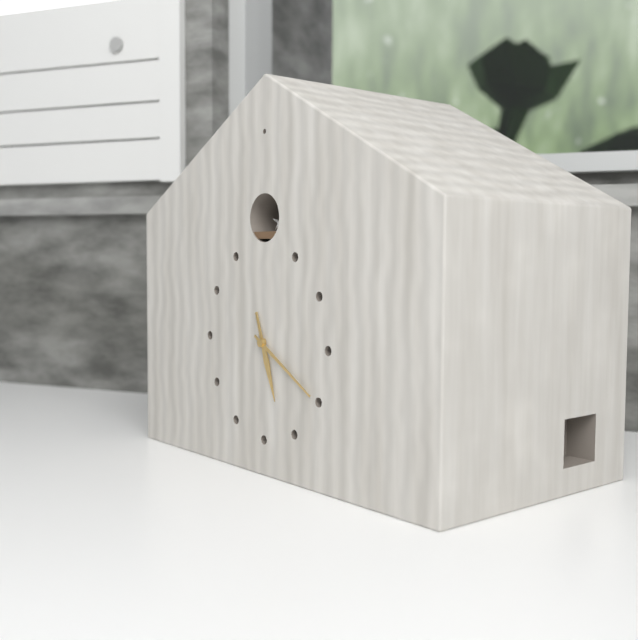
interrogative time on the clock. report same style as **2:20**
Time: **5:20**
